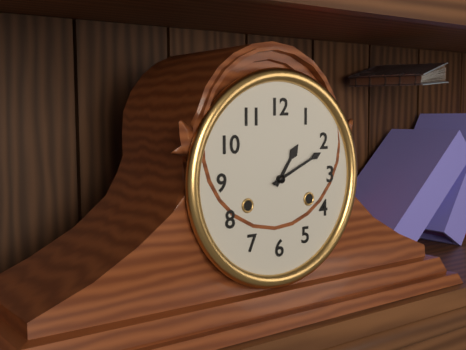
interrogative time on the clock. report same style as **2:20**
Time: **1:11**
